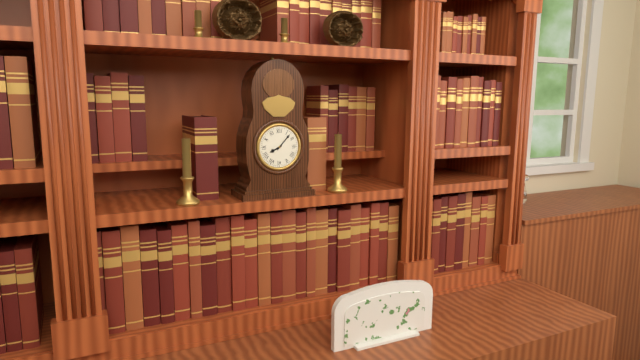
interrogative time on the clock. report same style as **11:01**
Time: **8:07**
